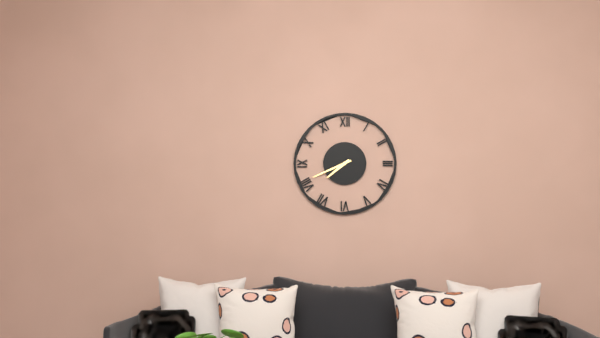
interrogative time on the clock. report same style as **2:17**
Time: **7:41**
